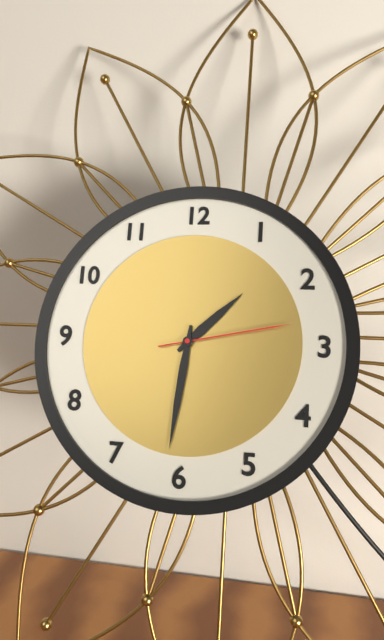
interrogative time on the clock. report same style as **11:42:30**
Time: **1:31:13**
